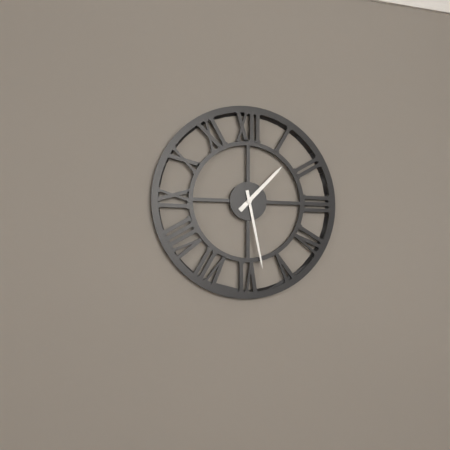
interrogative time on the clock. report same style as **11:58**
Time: **1:28**
